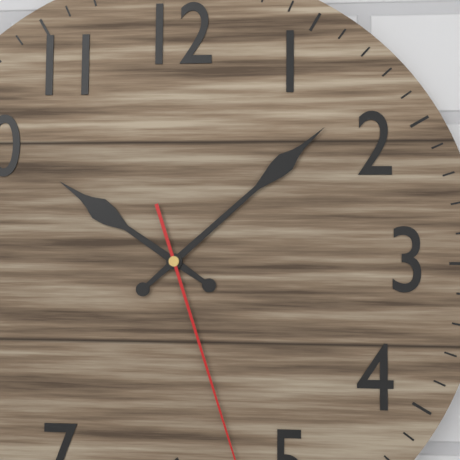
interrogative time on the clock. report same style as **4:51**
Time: **10:08**
